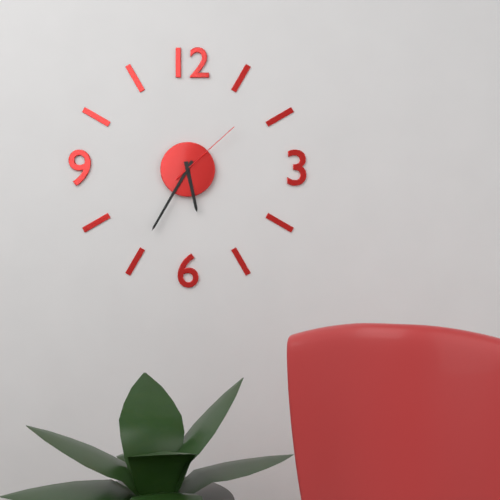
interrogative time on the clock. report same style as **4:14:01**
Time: **5:35:08**
